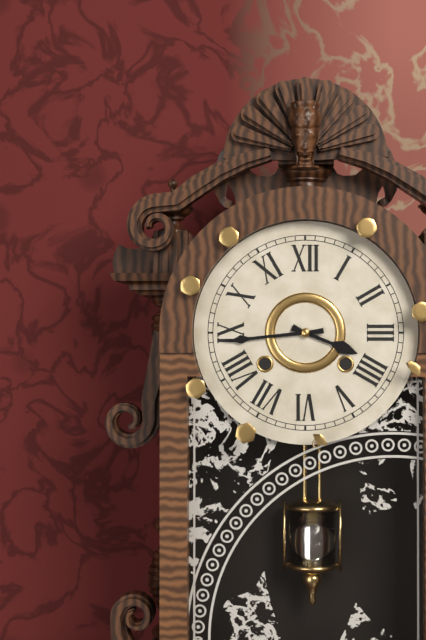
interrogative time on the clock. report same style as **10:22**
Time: **3:44**
